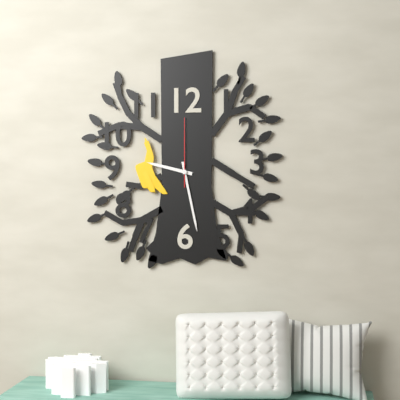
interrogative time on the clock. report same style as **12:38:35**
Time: **9:28:00**
